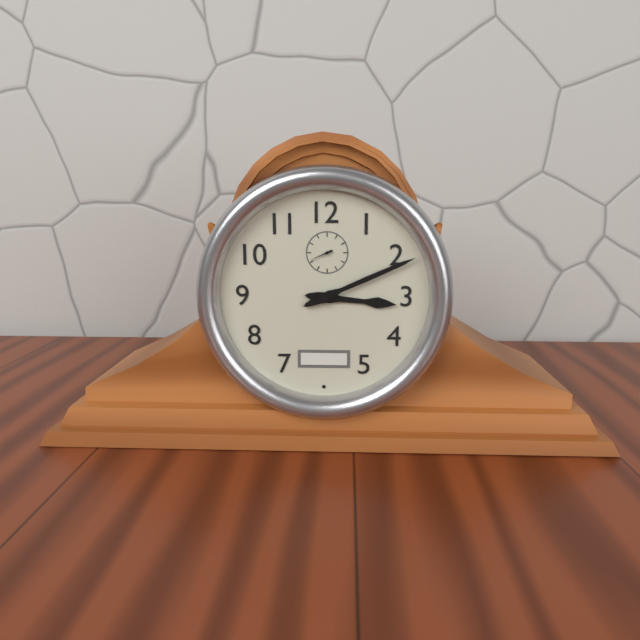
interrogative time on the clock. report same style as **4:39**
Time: **3:11**
